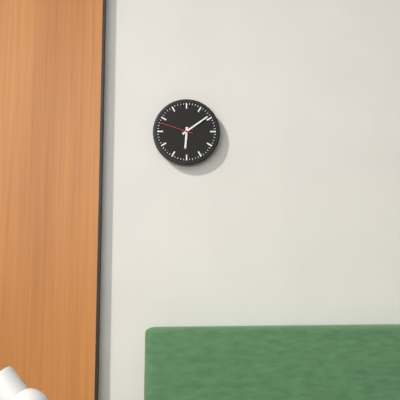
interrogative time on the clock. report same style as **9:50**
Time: **6:09**
